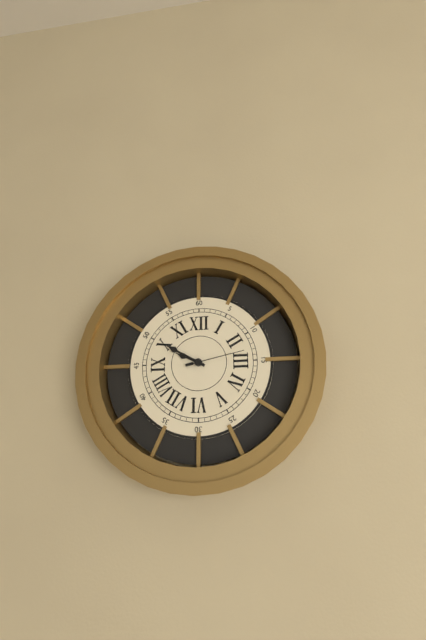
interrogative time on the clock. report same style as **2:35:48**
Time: **9:50:13**
